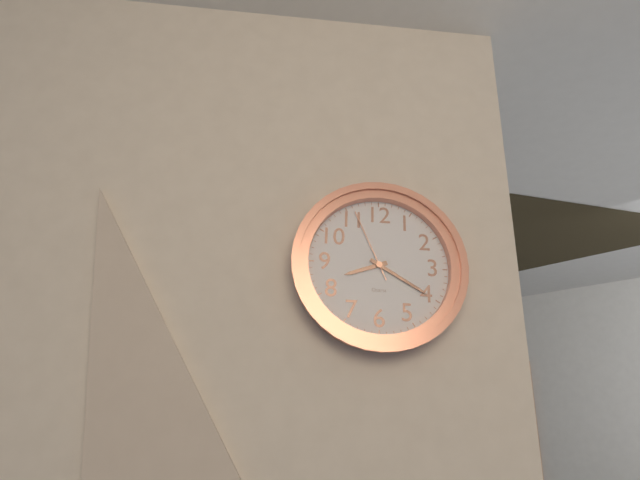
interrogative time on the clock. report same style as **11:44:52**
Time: **8:20:56**
